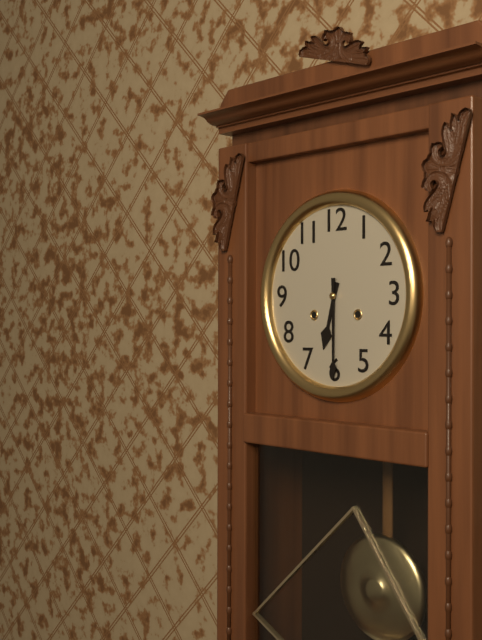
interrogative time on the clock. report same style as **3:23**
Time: **6:30**
